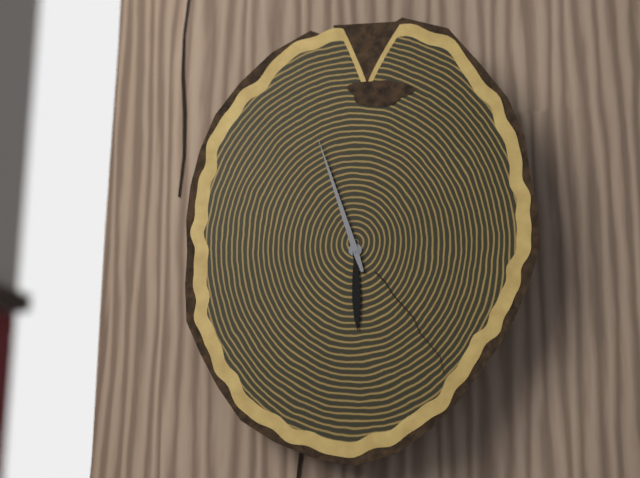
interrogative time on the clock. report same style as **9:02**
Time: **5:57**
